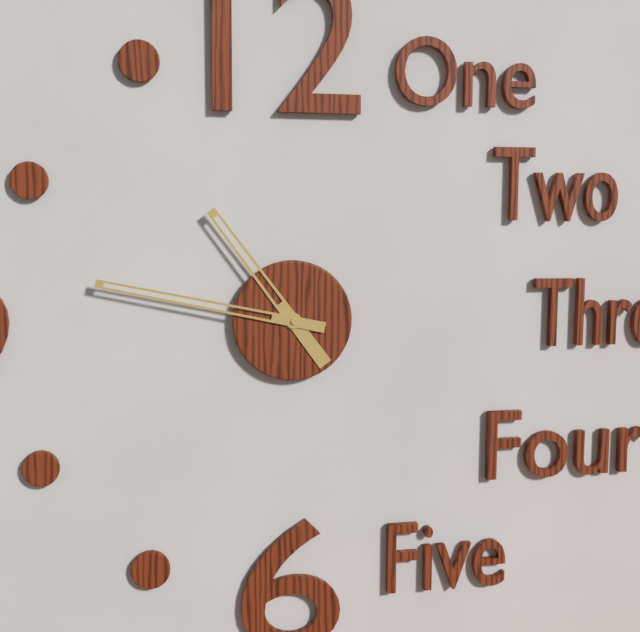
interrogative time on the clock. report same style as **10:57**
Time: **10:47**
